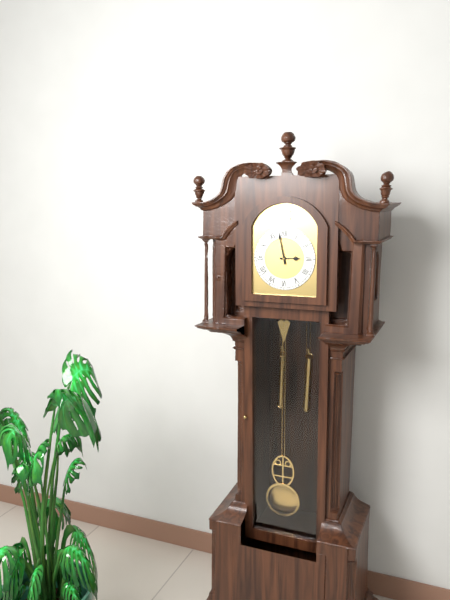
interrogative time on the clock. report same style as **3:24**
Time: **2:58**
